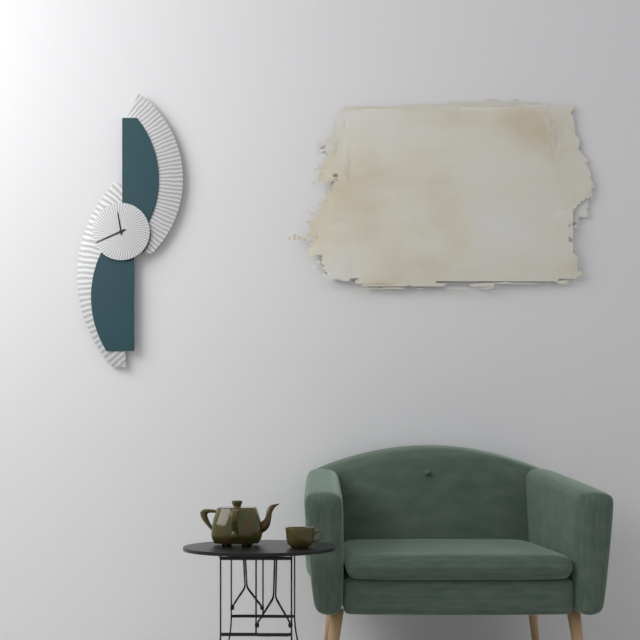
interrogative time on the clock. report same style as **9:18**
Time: **11:41**
